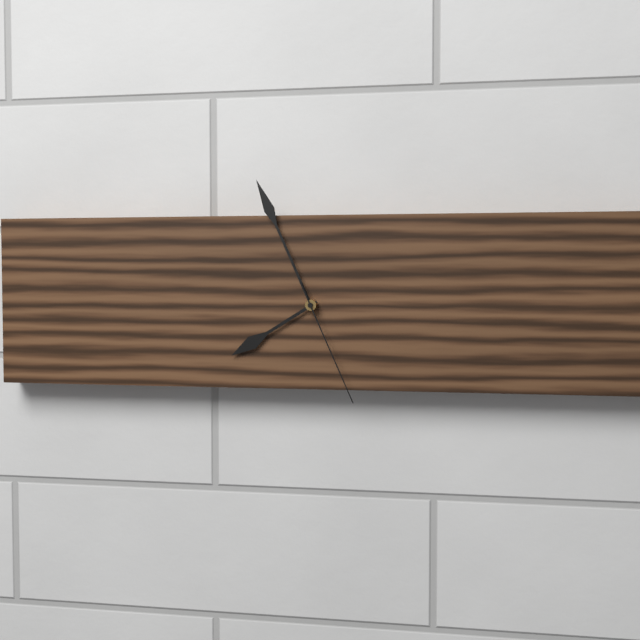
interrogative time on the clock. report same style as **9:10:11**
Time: **7:56:26**
